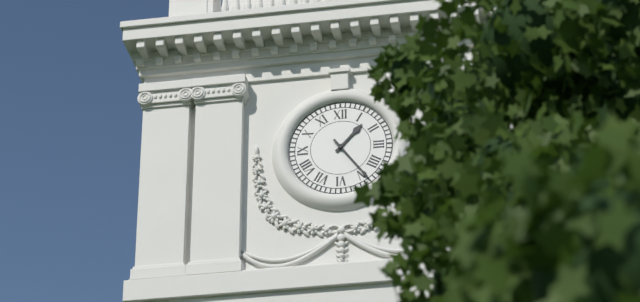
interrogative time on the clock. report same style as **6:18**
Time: **1:24**
